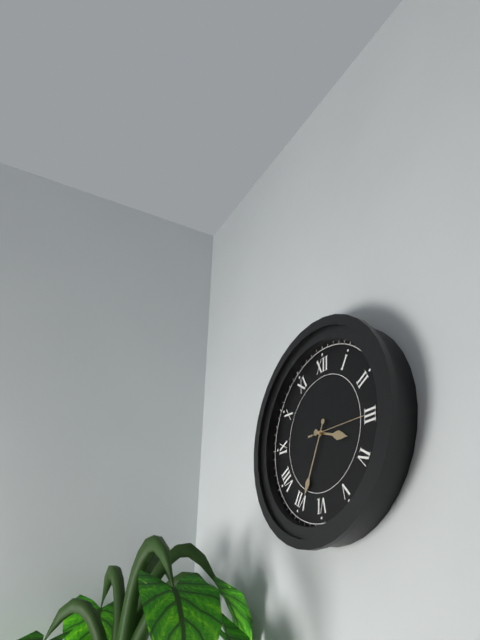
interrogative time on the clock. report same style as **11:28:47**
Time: **3:34:15**
